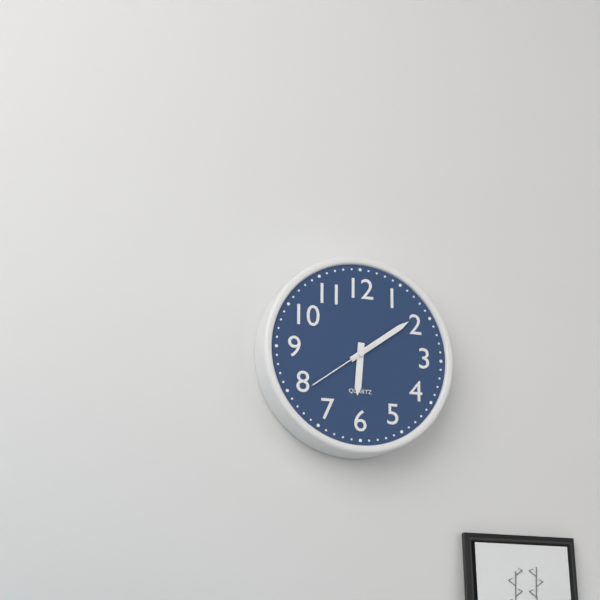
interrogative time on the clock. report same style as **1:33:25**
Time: **6:09:39**
